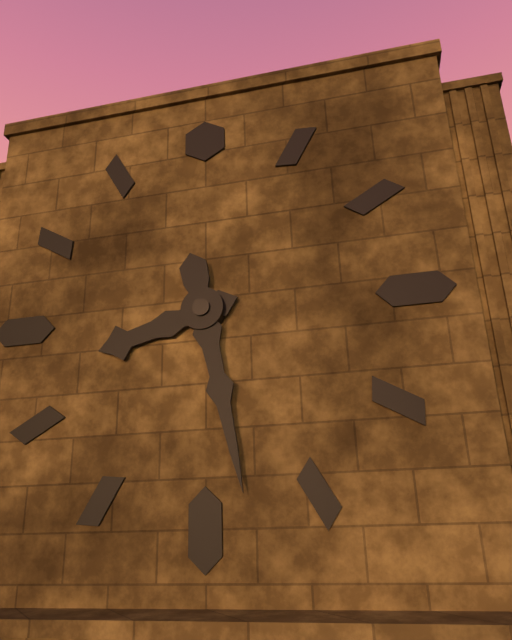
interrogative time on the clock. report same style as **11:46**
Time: **8:28**
